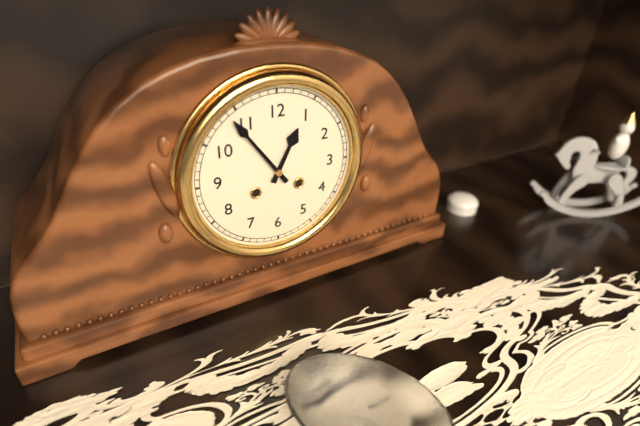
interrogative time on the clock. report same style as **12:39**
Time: **12:54**
